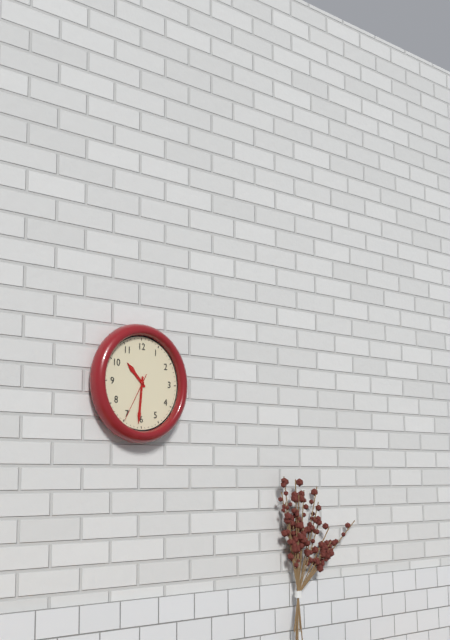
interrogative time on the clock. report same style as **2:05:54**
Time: **10:31:35**
